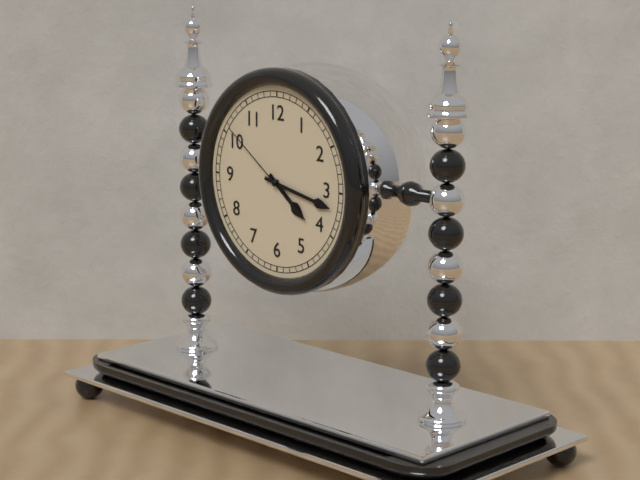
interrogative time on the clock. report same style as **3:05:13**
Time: **4:17:51**
